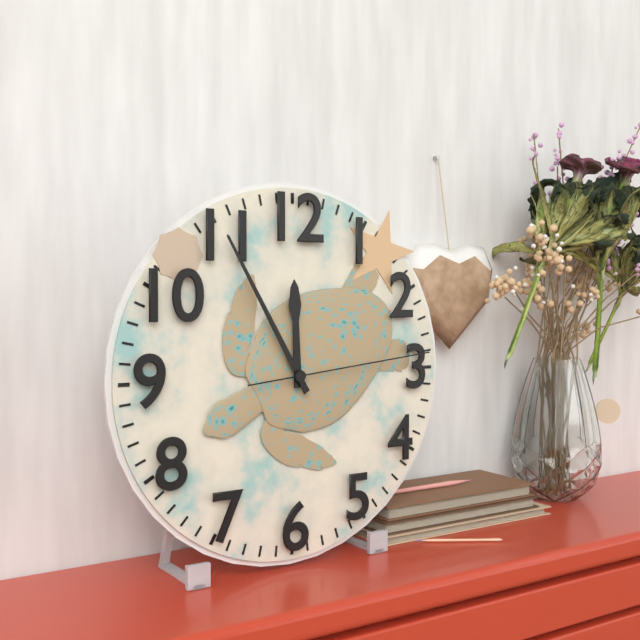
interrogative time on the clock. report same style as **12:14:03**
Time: **11:55:14**
